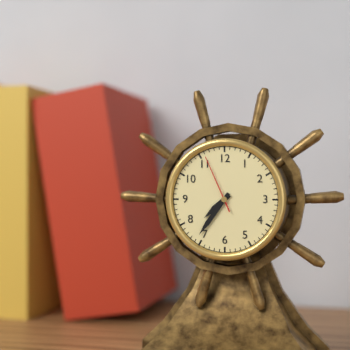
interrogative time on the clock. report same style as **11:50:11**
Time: **7:36:56**
